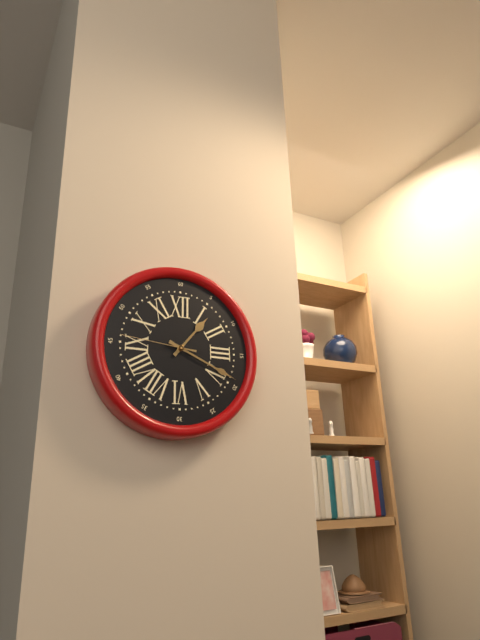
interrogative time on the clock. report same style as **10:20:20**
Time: **1:19:46**
